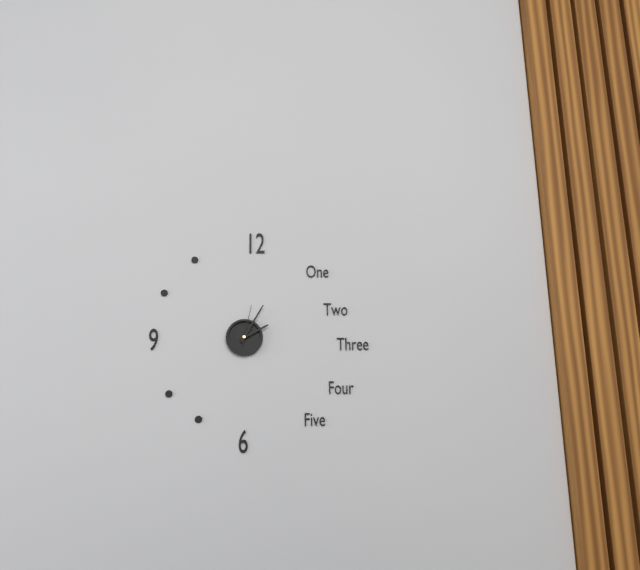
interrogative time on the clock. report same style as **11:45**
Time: **2:05**
